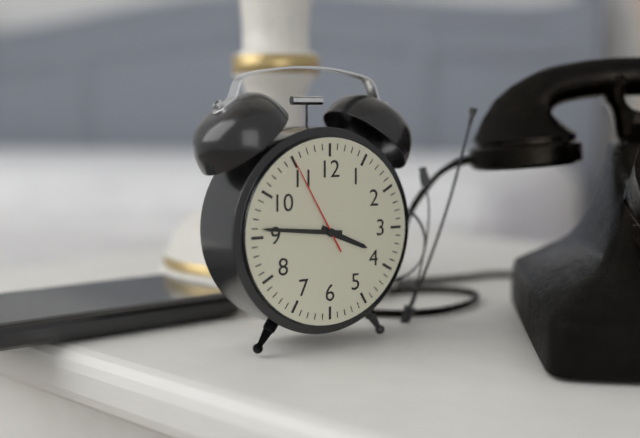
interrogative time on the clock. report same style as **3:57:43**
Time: **3:46:55**
